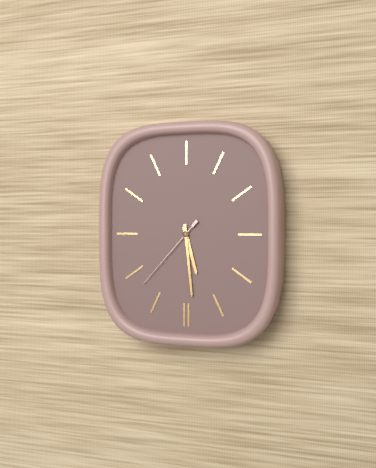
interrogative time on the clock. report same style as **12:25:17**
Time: **5:29:37**
